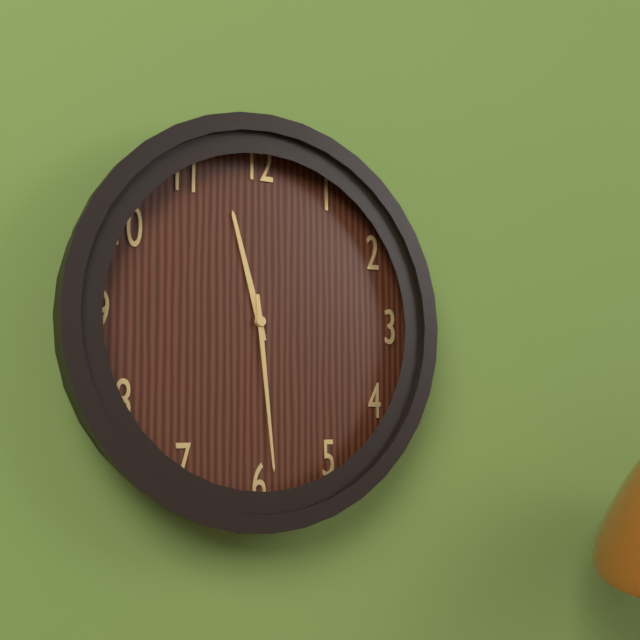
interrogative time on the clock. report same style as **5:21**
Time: **11:29**
